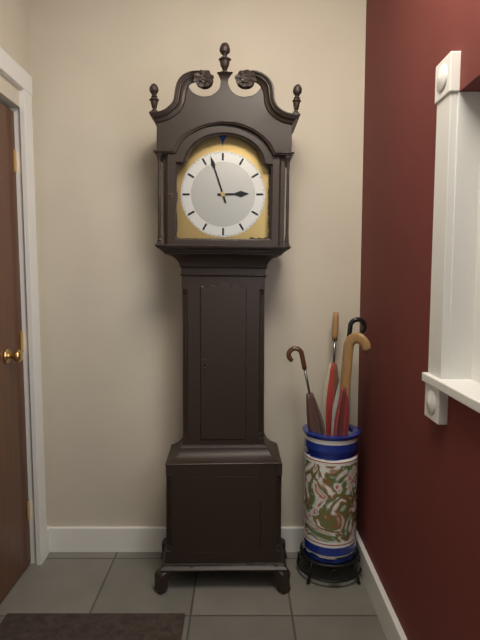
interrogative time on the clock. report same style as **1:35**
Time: **2:57**
